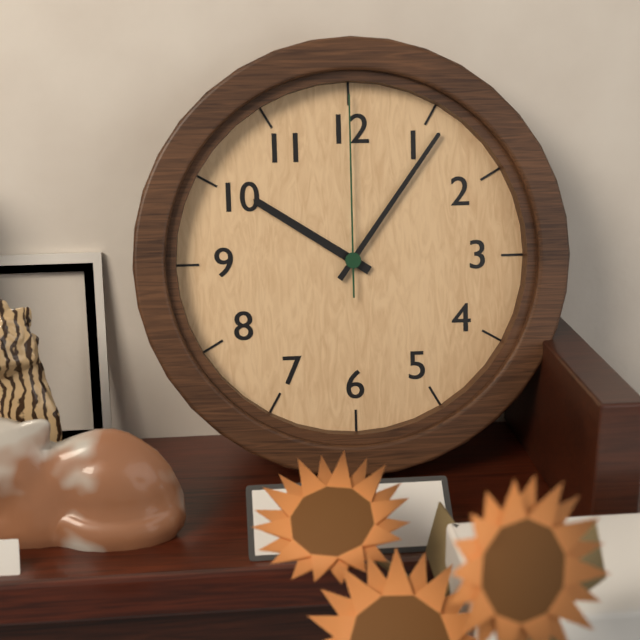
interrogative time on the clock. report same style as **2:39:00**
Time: **10:06:00**
